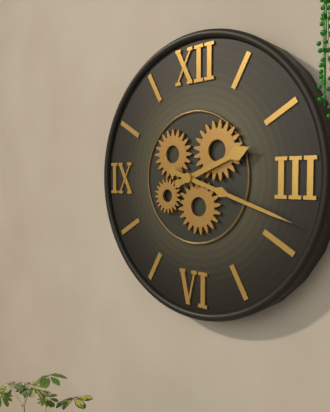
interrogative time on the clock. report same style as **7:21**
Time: **2:18**
